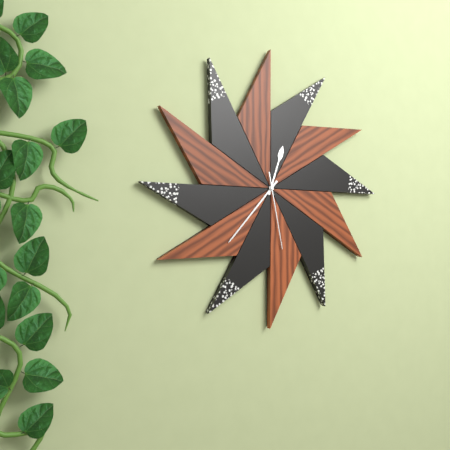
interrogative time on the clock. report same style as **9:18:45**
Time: **12:37:28**
